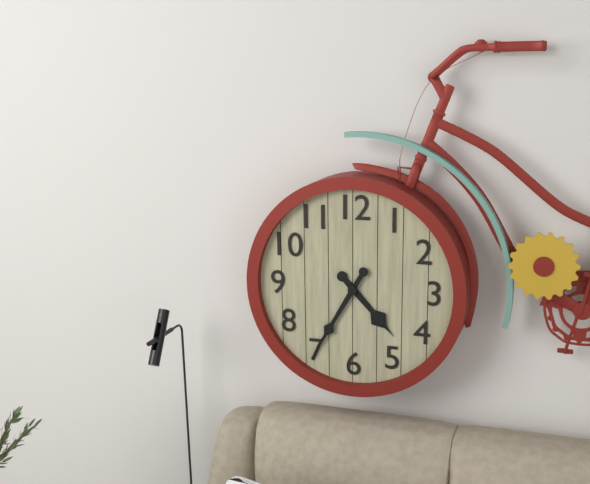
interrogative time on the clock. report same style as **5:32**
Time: **4:35**
